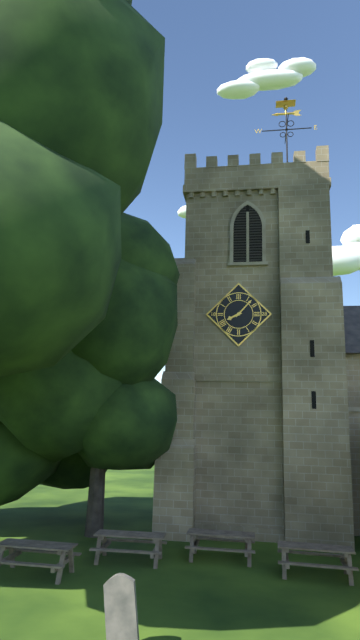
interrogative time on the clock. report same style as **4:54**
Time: **8:07**
